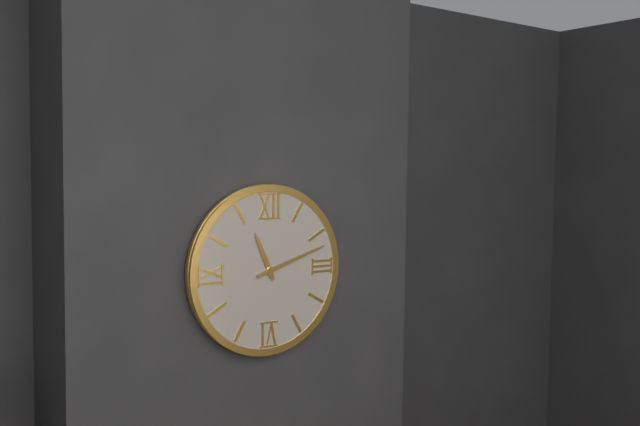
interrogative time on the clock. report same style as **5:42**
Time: **11:12**
